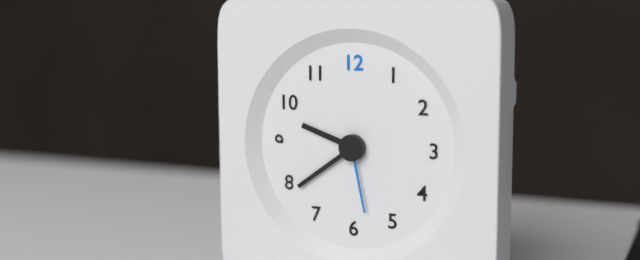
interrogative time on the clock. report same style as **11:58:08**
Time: **9:39:28**
